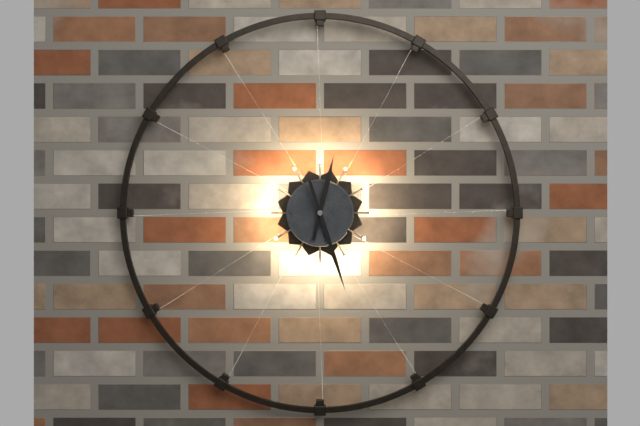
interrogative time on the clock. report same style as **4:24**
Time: **12:27**
